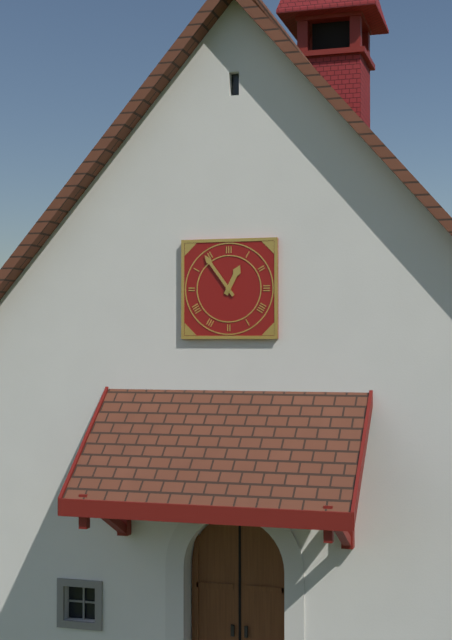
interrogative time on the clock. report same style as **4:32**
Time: **12:54**
